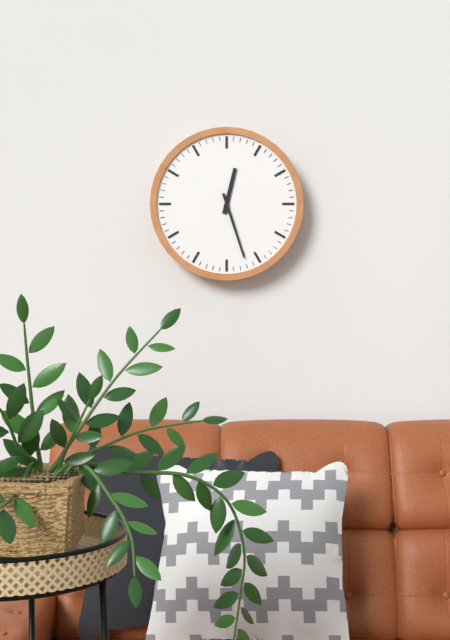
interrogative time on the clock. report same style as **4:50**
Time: **12:27**
